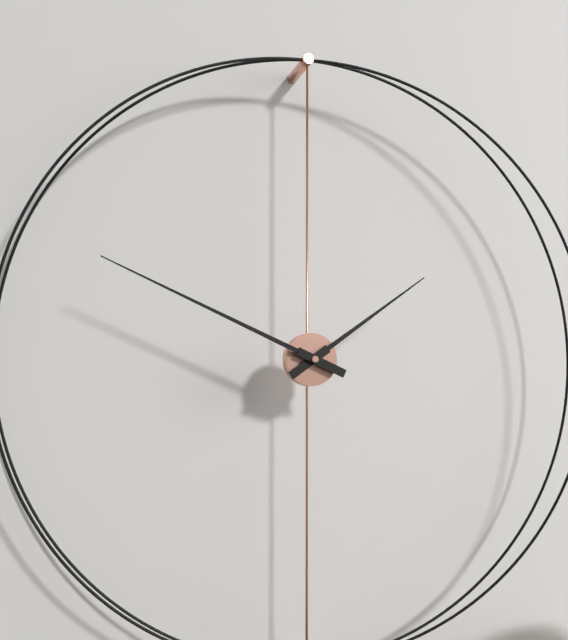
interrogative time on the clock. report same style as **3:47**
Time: **1:49**
